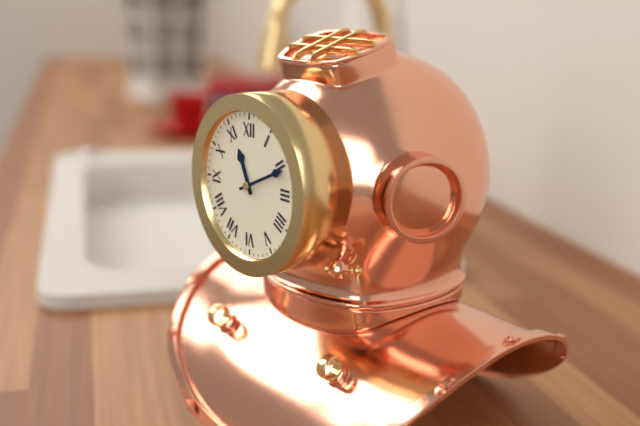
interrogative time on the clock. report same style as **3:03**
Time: **11:11**
